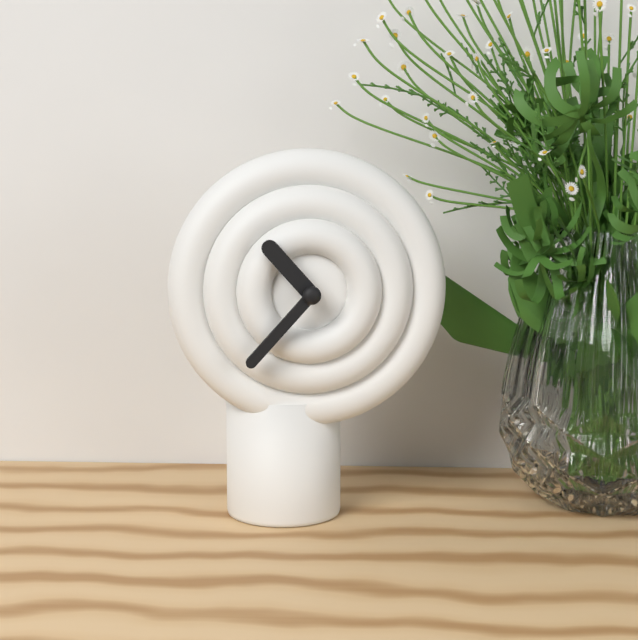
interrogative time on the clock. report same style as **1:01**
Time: **10:37**
